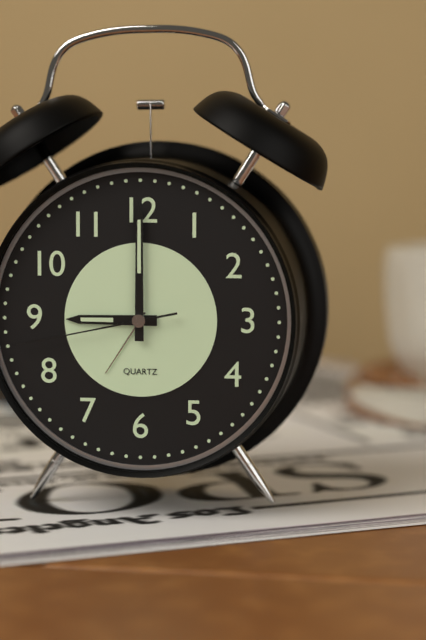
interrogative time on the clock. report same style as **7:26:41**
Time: **9:00:43**
